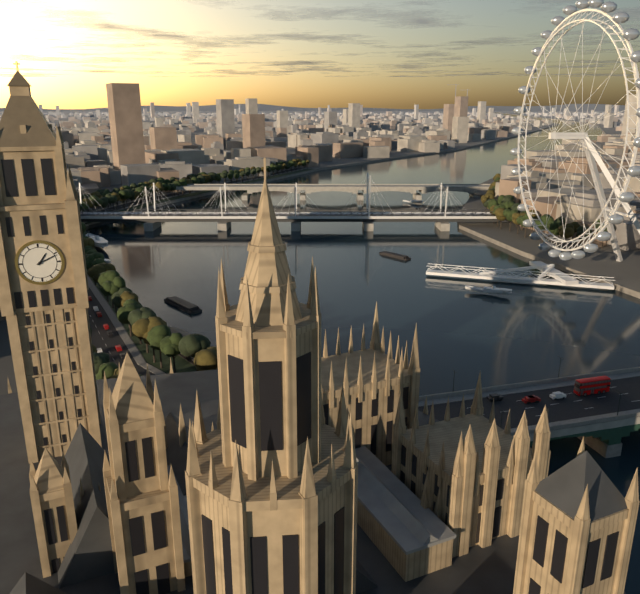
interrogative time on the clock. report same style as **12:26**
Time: **1:11**
